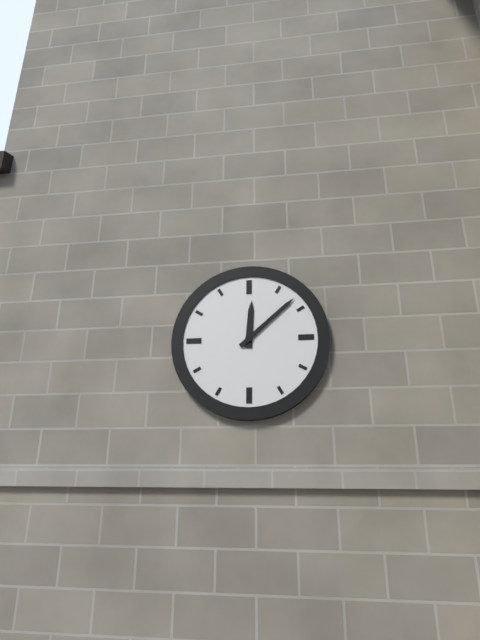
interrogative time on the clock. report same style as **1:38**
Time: **12:08**
